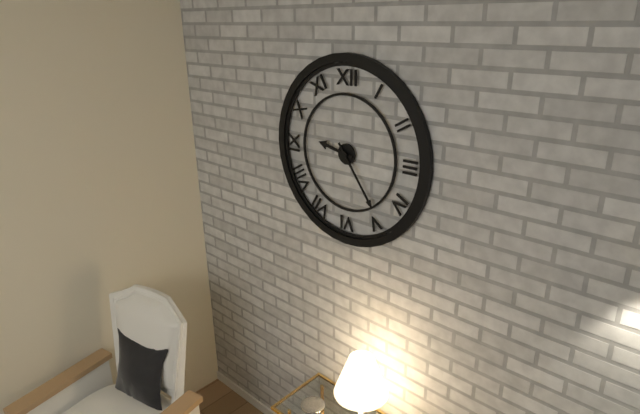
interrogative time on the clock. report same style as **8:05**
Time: **9:24**
